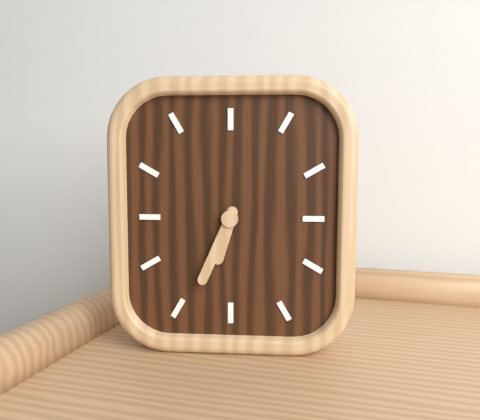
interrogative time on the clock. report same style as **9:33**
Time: **6:34**
